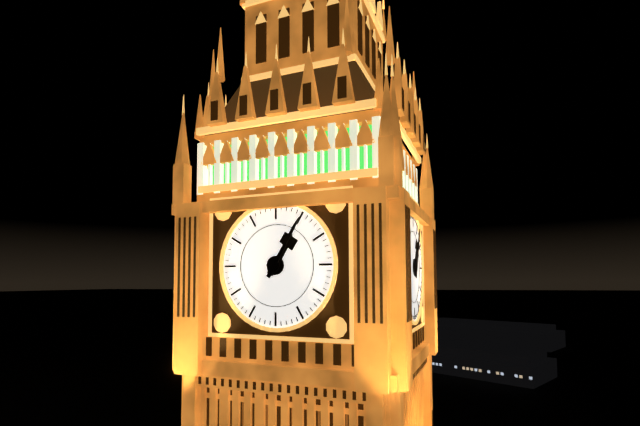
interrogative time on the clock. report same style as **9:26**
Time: **1:05**
